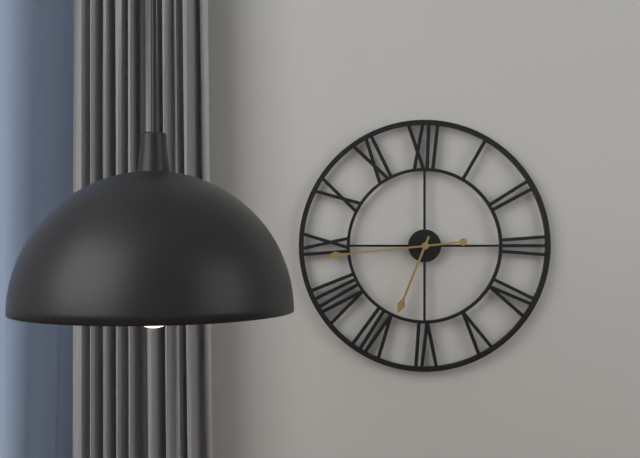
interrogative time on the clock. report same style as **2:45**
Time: **6:44**
